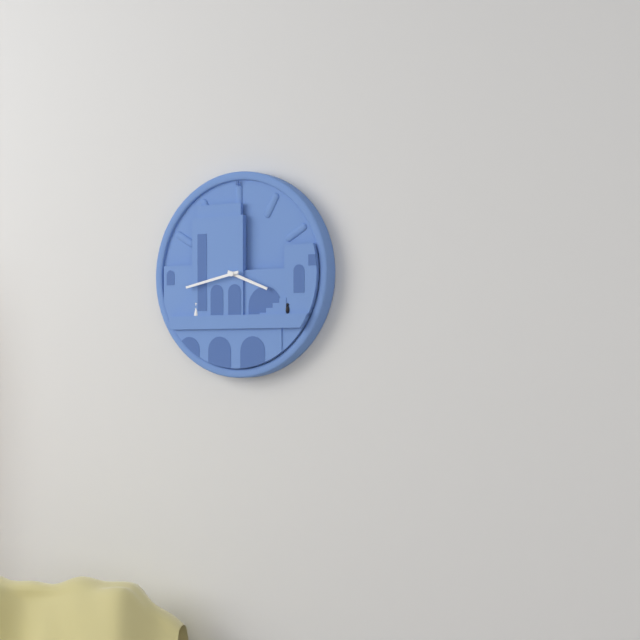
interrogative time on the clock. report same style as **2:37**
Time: **3:43**
